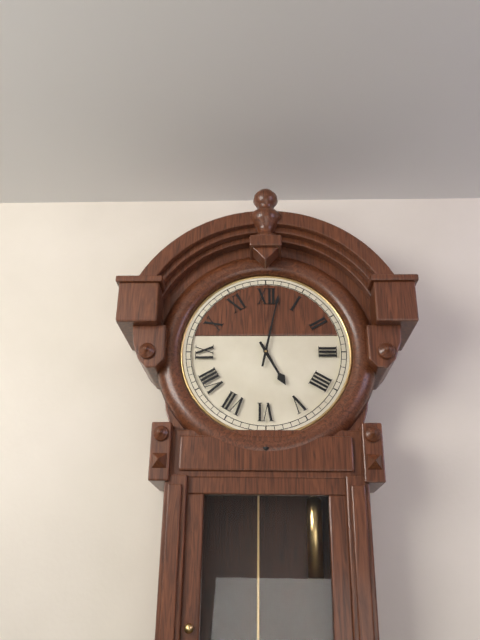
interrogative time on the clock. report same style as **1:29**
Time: **5:02**
